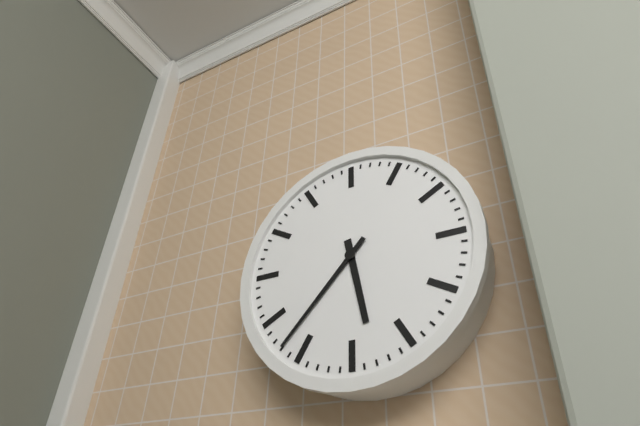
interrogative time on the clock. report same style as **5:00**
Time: **5:37**
